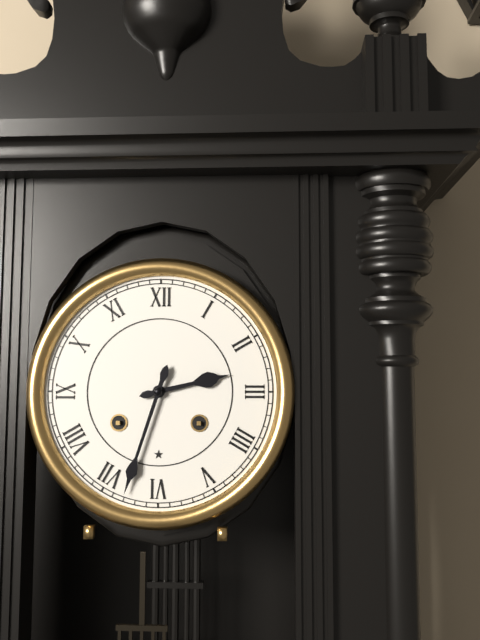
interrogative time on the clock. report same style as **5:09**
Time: **2:33**
